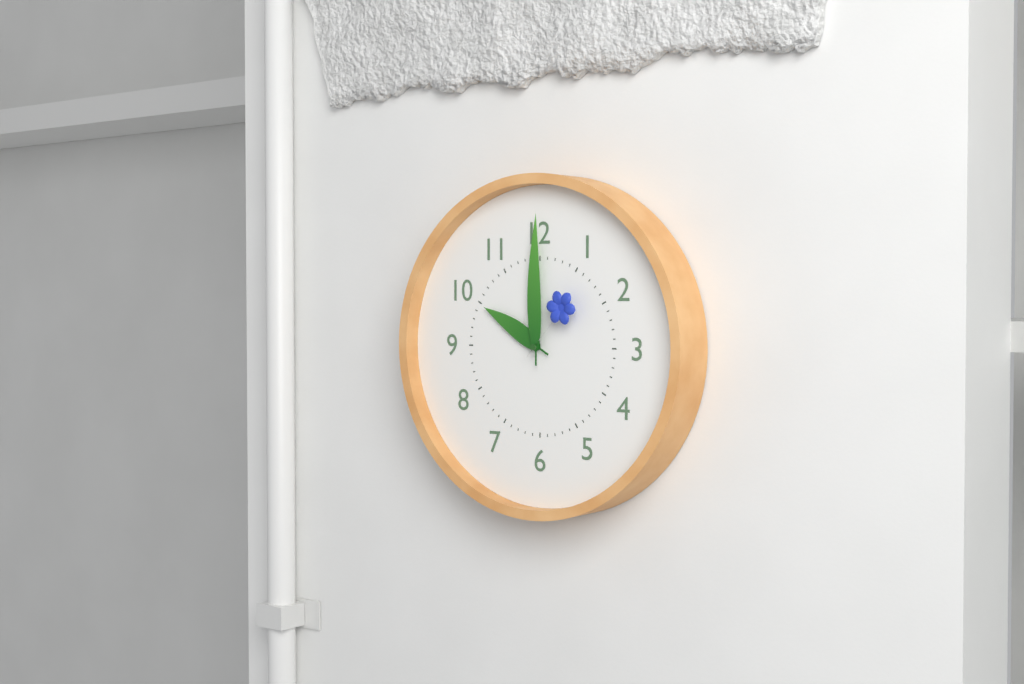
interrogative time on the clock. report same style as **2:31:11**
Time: **10:00:07**
